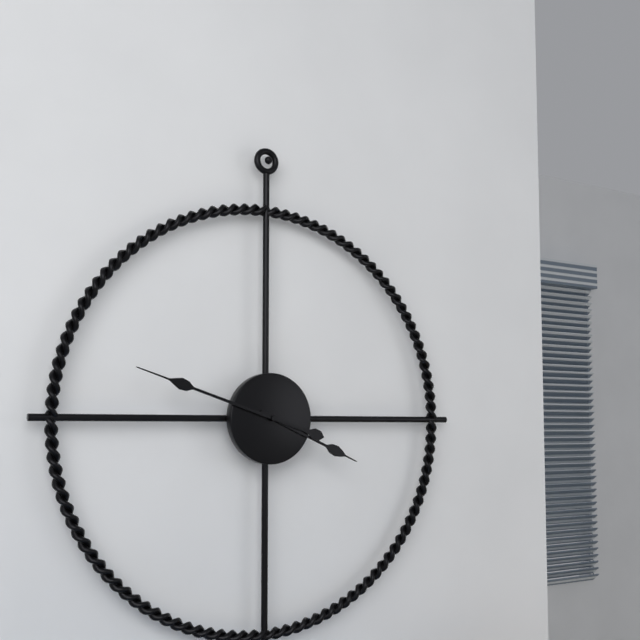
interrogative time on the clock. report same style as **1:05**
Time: **3:48**
